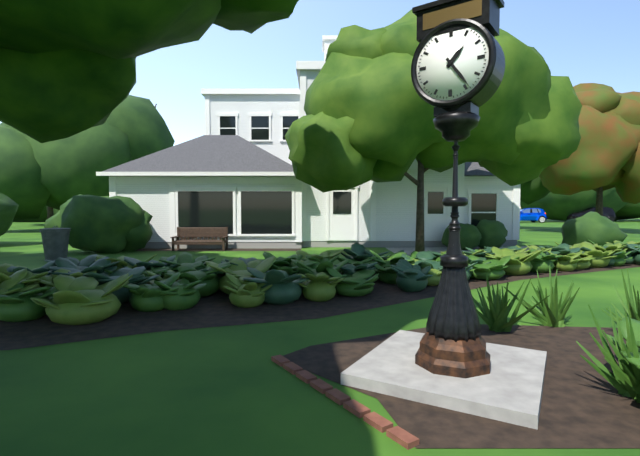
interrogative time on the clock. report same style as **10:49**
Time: **1:24**
